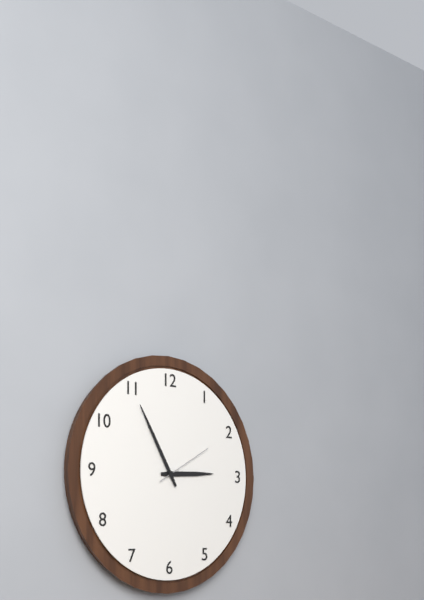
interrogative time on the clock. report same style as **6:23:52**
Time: **2:55:10**
